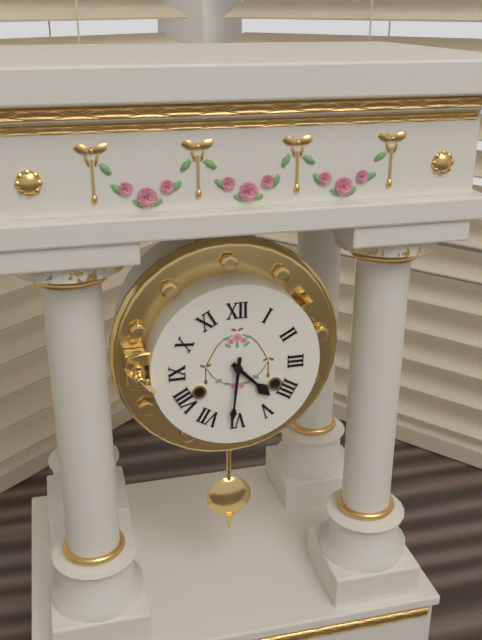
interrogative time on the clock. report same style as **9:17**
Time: **4:31**
